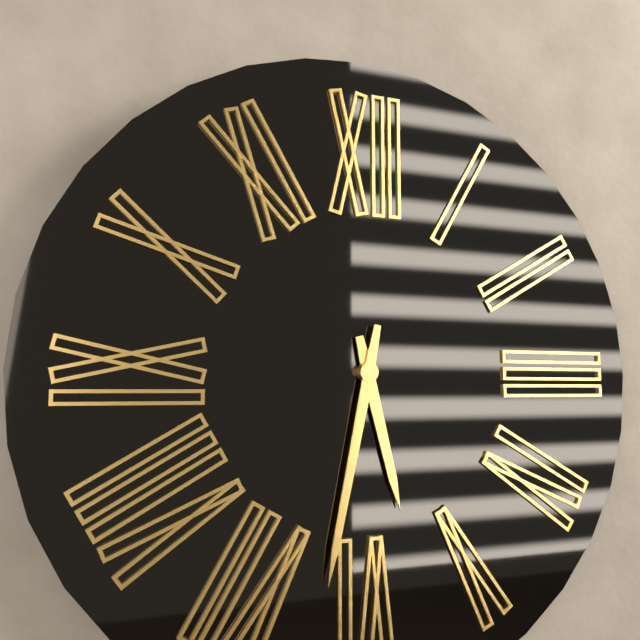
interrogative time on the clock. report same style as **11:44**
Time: **5:32**
